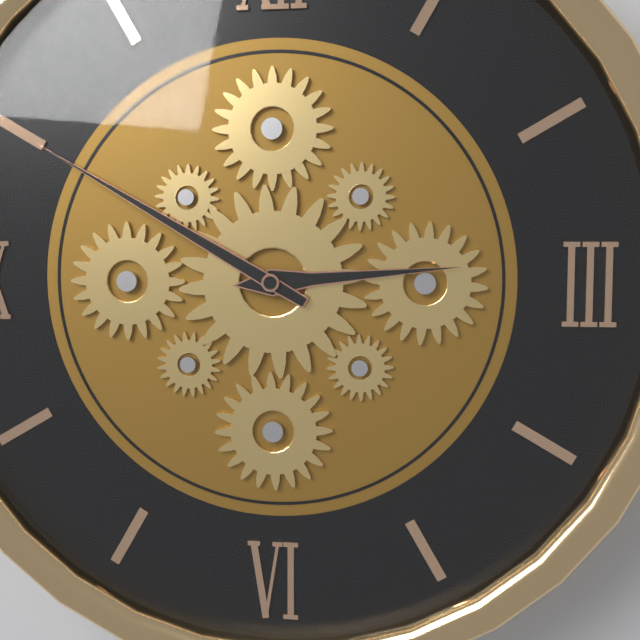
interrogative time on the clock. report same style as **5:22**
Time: **2:50**
